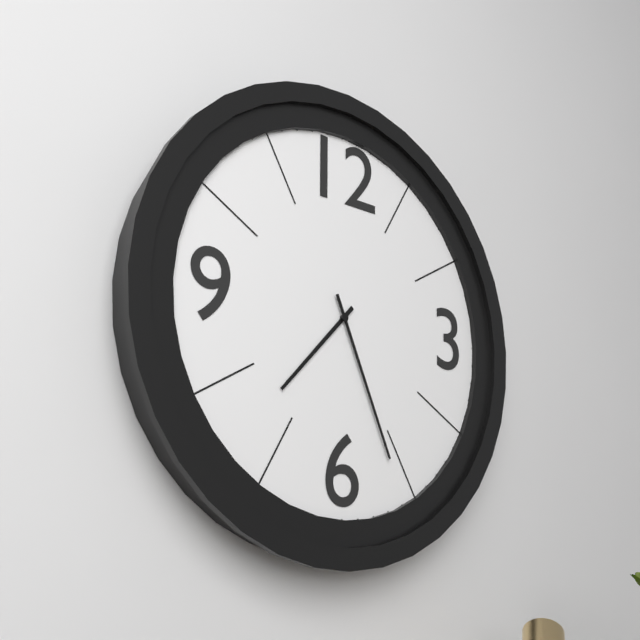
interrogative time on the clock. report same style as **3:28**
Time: **7:26**
